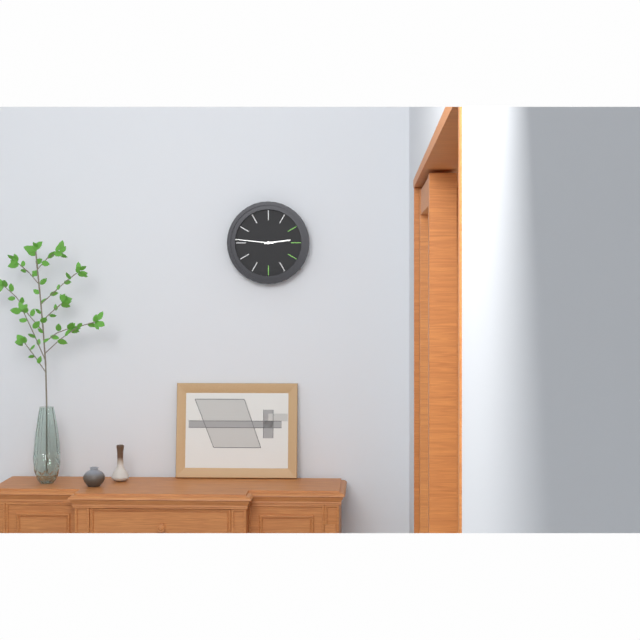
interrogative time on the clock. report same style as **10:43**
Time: **2:46**
